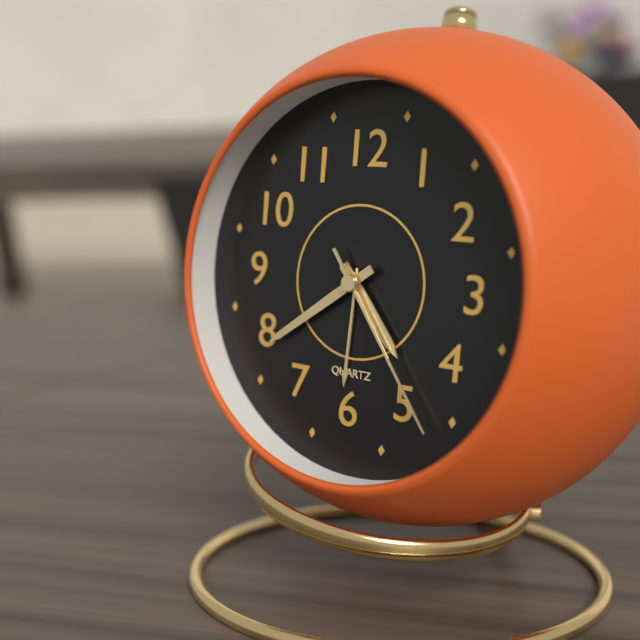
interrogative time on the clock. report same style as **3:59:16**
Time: **4:39:24**
